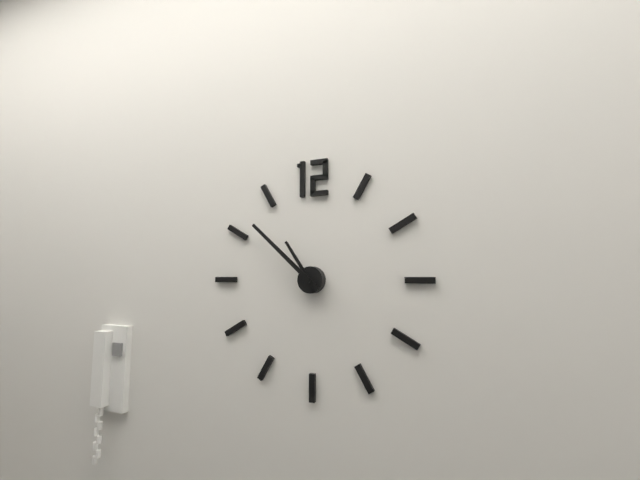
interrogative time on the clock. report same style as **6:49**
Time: **10:52**
